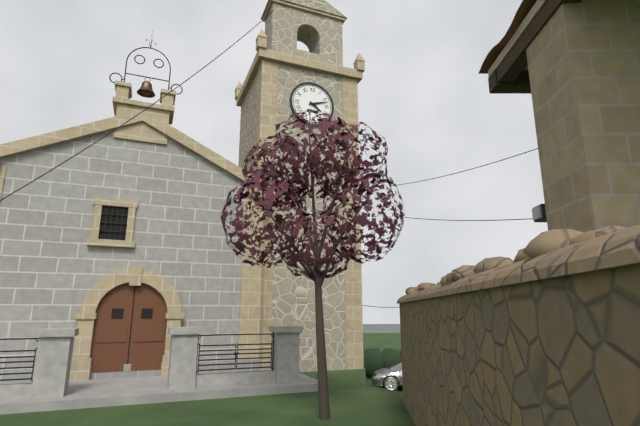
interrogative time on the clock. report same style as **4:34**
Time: **4:12**
